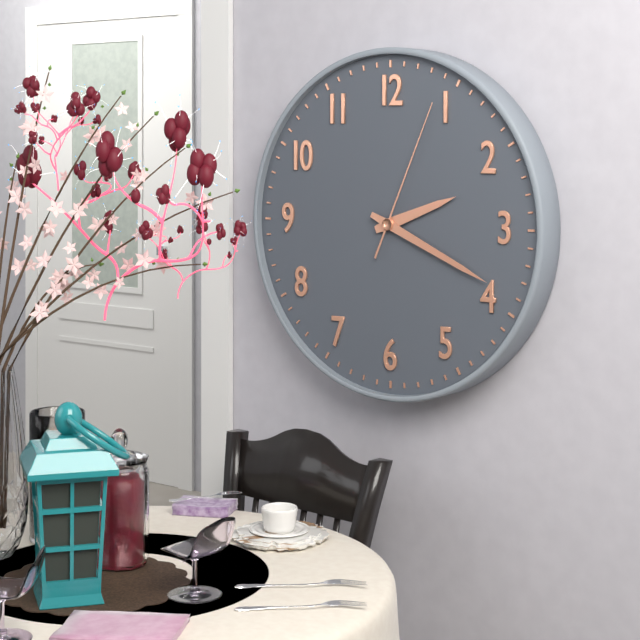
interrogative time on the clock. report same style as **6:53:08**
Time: **2:19:04**
